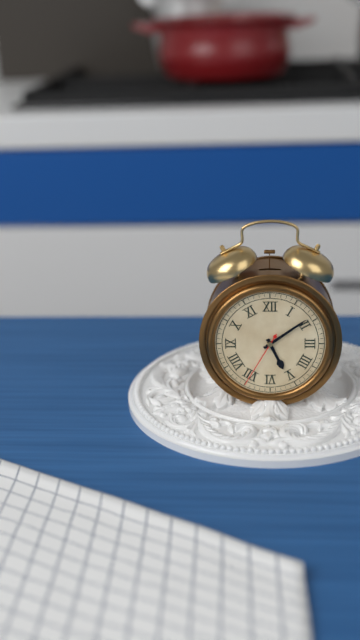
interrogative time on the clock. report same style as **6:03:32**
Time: **5:09:35**
